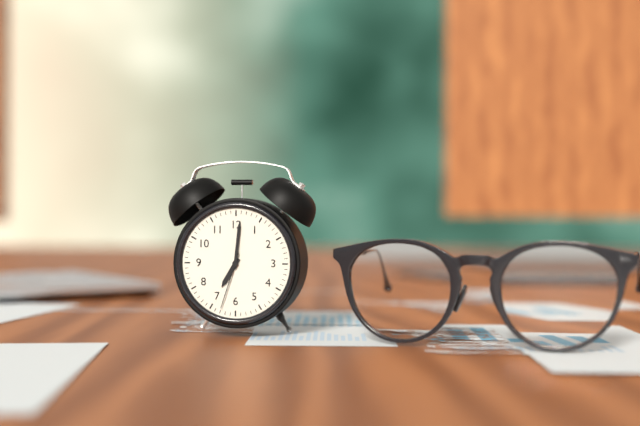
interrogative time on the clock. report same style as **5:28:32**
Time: **7:01:33**
